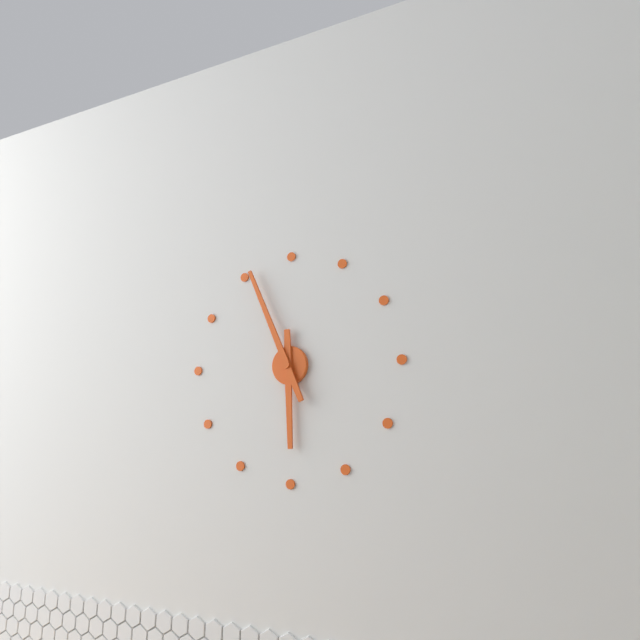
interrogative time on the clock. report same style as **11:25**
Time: **5:56**
